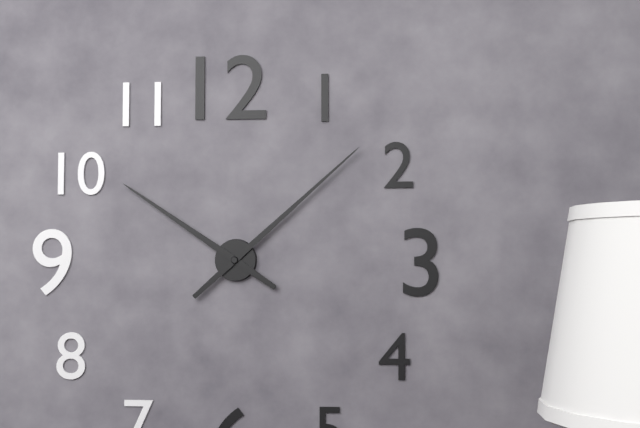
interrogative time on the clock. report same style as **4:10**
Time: **10:08**
